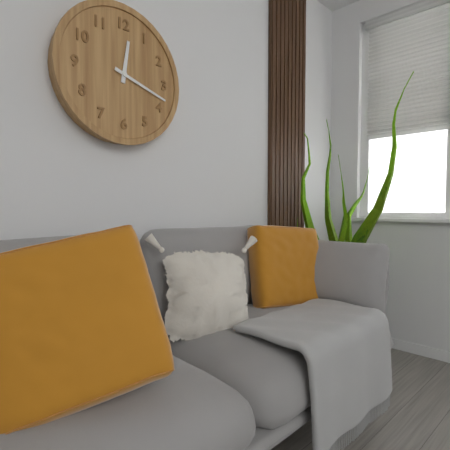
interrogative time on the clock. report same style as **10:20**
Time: **12:18**
